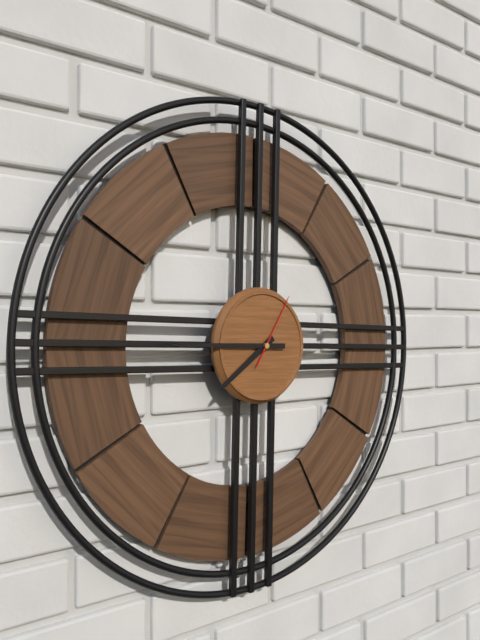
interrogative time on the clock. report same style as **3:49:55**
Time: **7:45:05**
